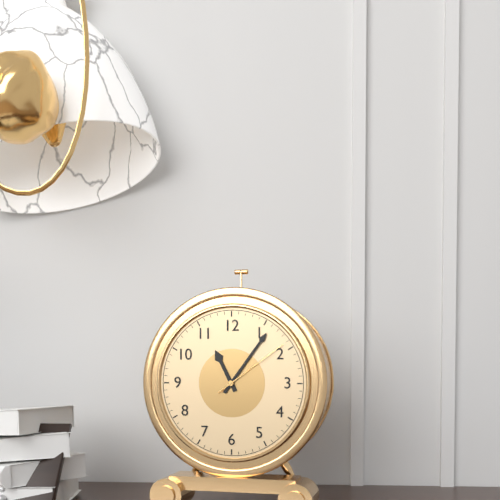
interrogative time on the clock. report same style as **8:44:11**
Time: **11:06:09**
